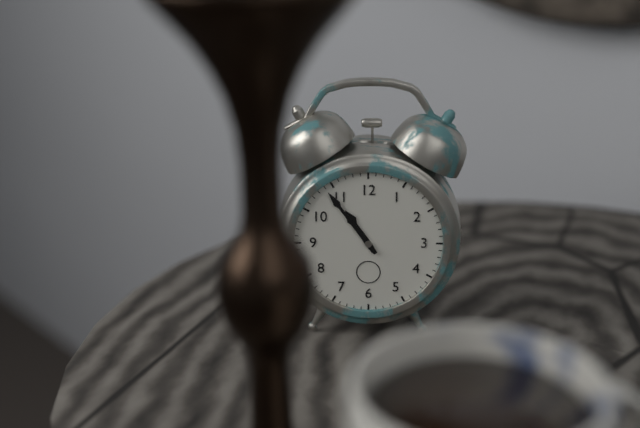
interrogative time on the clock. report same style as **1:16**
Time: **10:54**
